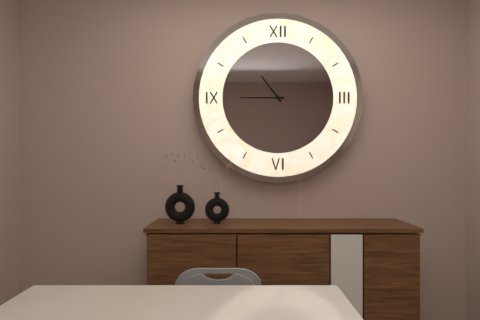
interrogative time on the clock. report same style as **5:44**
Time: **10:45**
